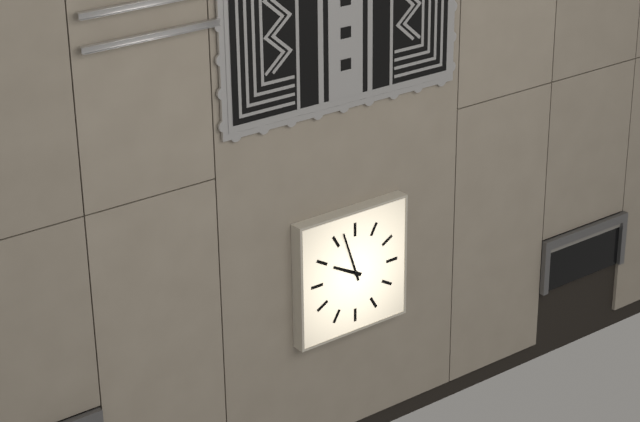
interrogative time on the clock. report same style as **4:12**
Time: **9:57**
